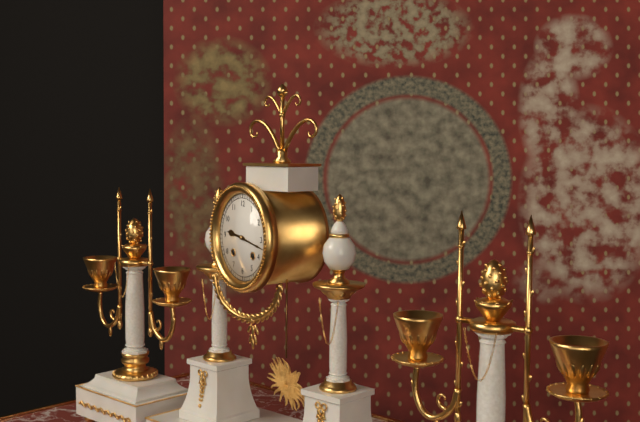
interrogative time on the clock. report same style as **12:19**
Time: **9:17**
